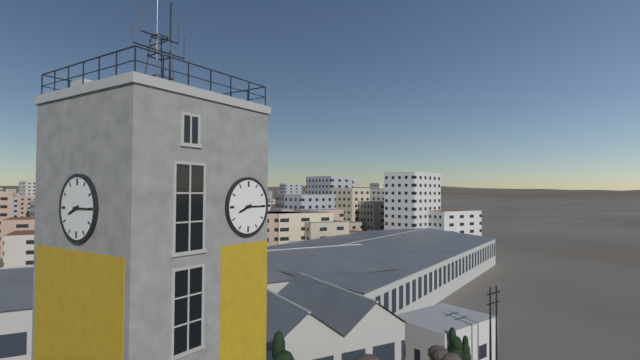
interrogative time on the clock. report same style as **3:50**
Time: **8:15**
